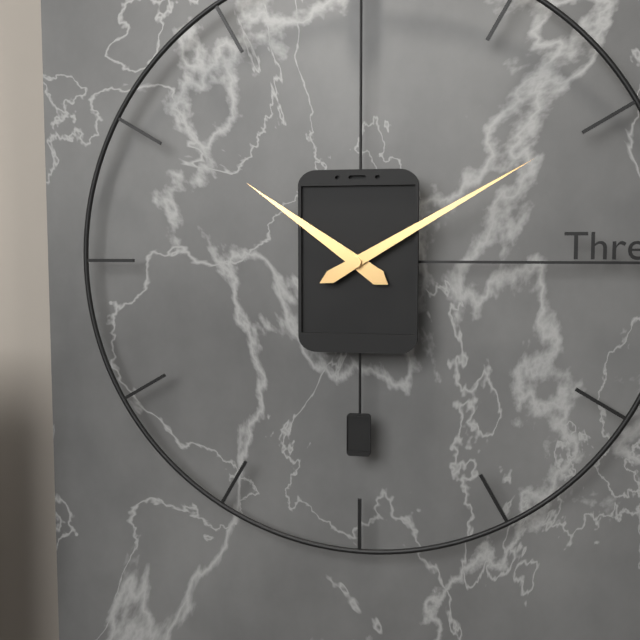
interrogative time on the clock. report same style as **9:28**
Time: **10:10**
